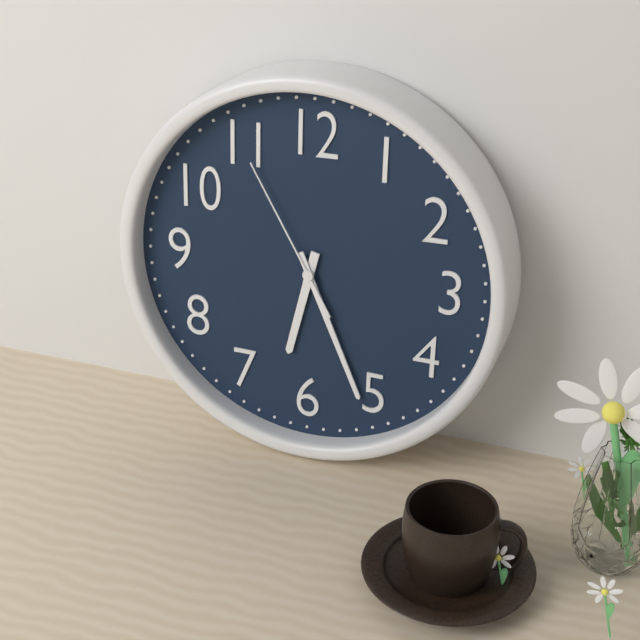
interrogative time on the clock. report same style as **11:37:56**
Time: **6:26:55**
